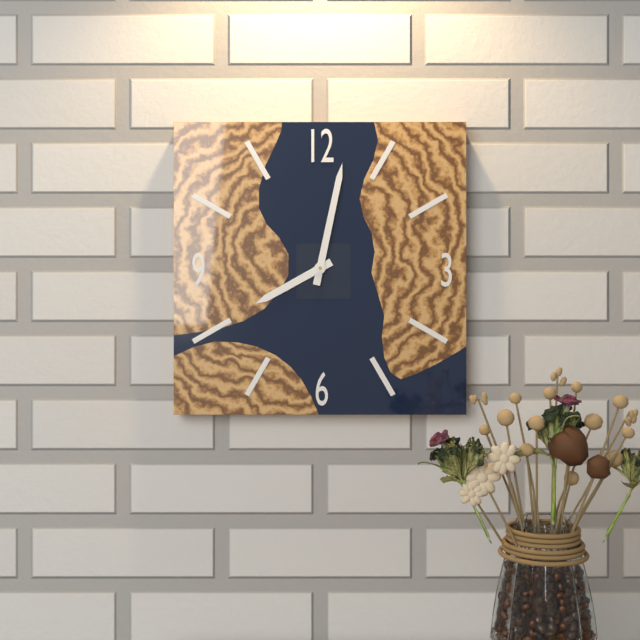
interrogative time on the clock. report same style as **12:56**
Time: **8:02**
